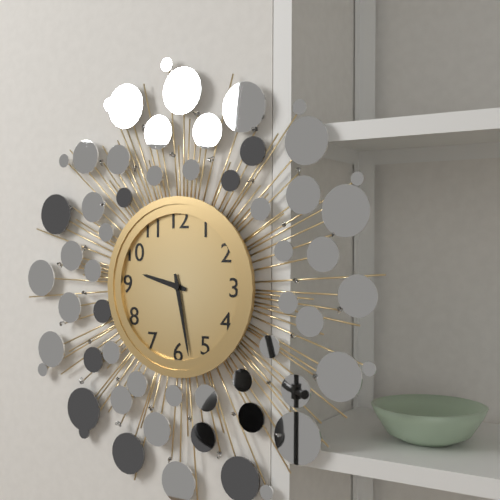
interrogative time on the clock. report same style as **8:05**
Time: **9:28**
